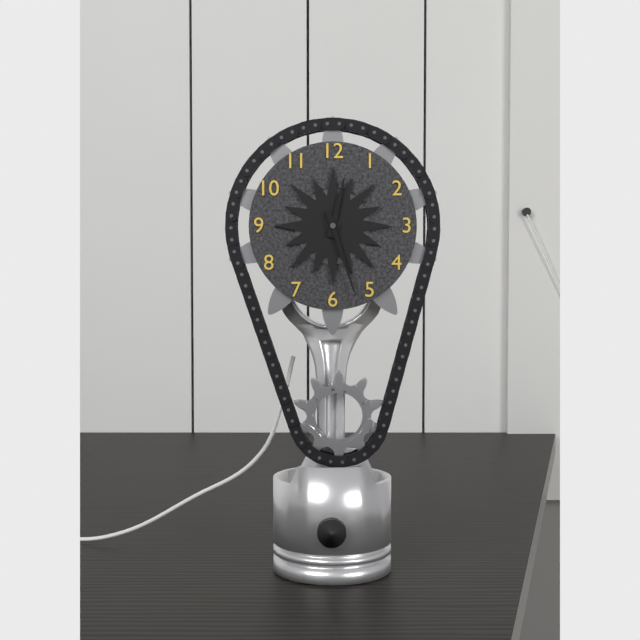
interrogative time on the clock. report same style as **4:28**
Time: **12:27**
